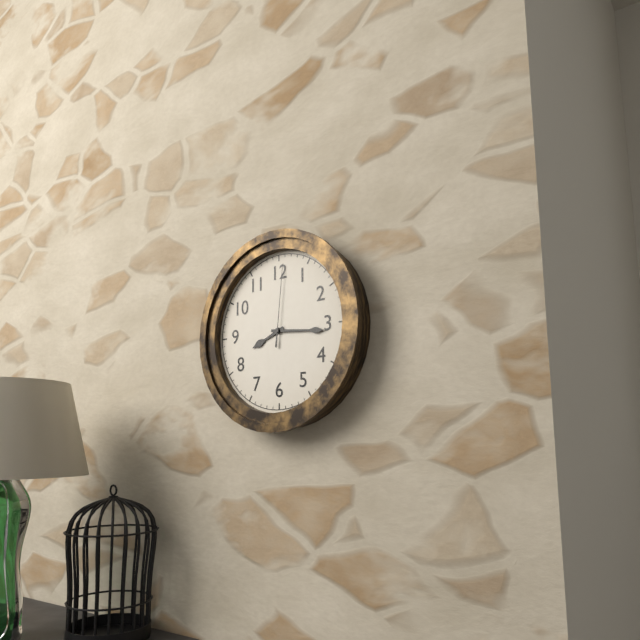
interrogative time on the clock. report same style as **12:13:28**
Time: **8:16:01**
